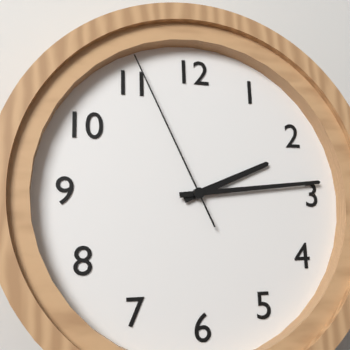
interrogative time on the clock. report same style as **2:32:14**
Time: **2:14:56**
